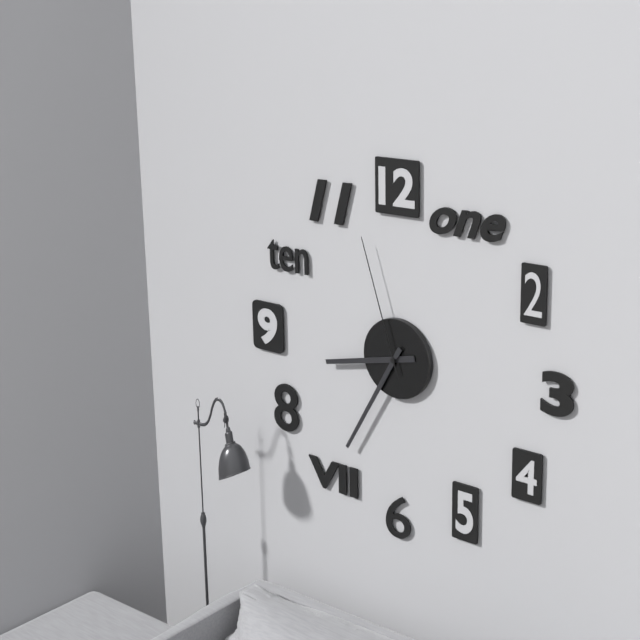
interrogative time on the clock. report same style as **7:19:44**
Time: **8:35:57**
